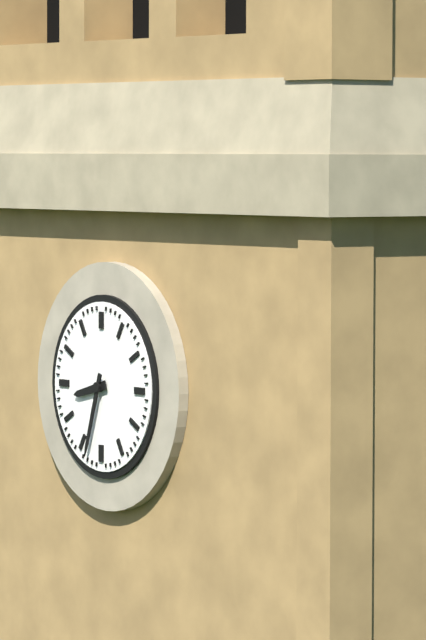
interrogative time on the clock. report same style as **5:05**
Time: **8:33**
